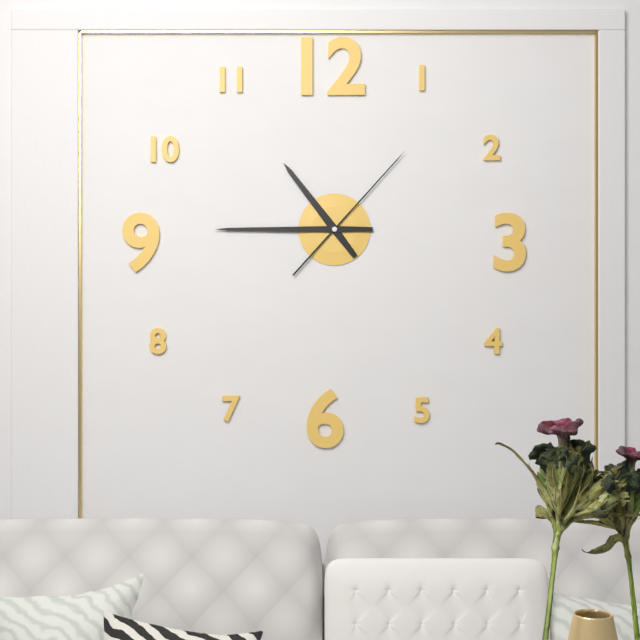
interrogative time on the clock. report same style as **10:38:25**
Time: **10:45:07**
